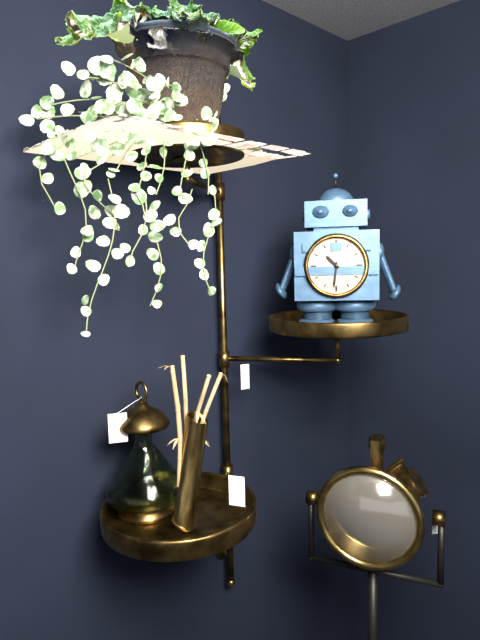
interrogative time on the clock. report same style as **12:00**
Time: **10:31**
